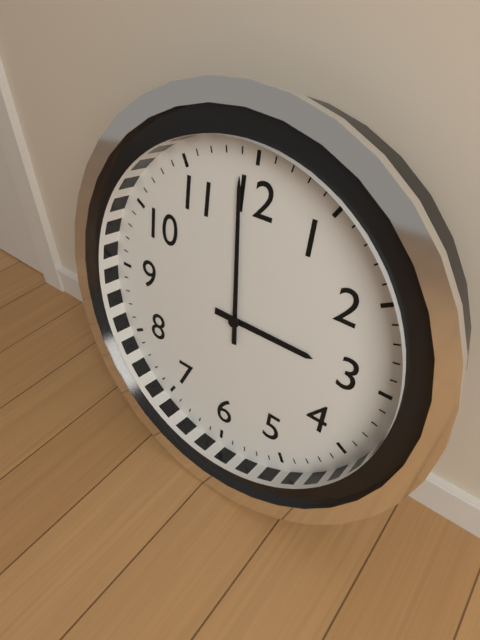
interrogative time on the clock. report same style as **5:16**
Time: **2:59**
